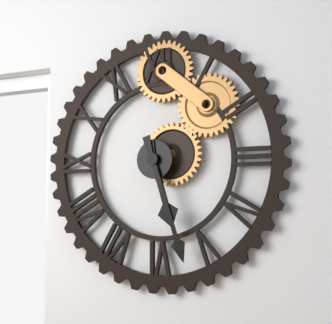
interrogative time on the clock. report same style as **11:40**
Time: **5:27**
